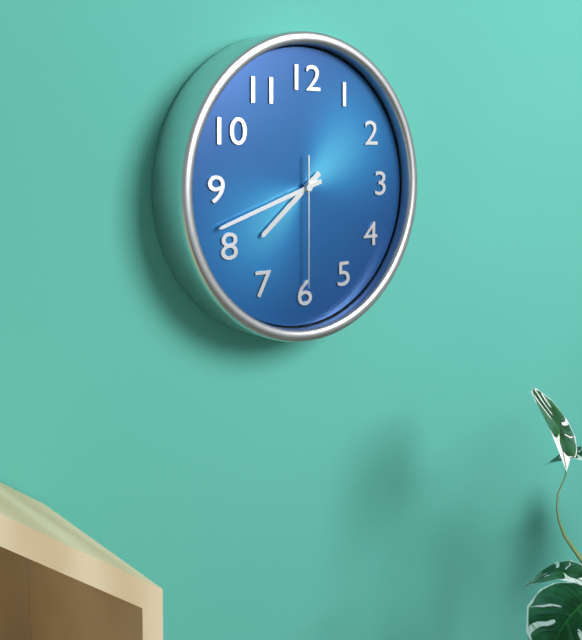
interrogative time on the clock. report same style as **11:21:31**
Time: **7:42:30**
